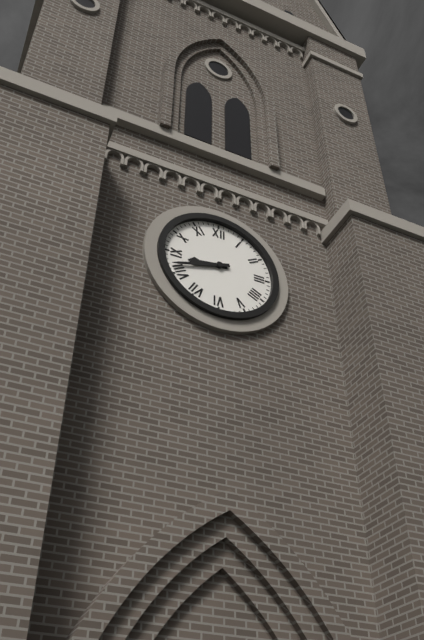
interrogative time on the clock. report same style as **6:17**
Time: **8:42**
